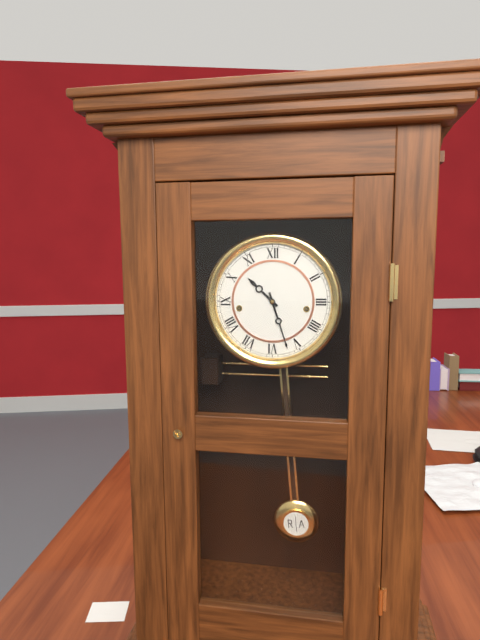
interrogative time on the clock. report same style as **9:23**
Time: **10:27**
